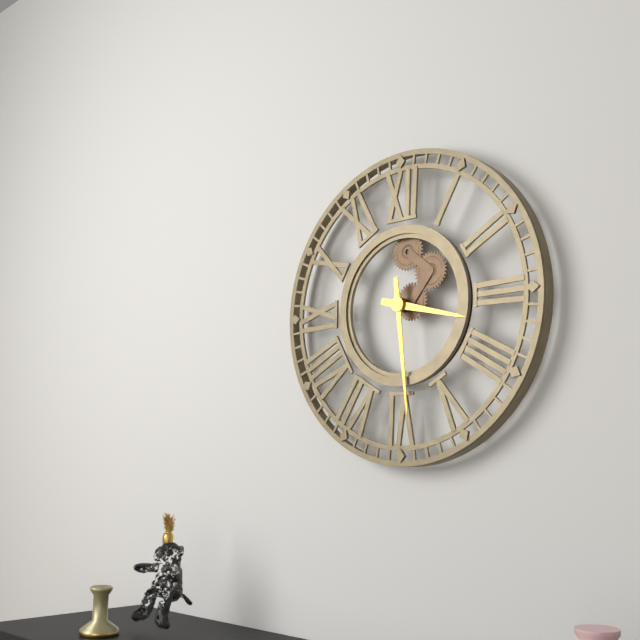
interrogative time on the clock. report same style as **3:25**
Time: **3:29**
